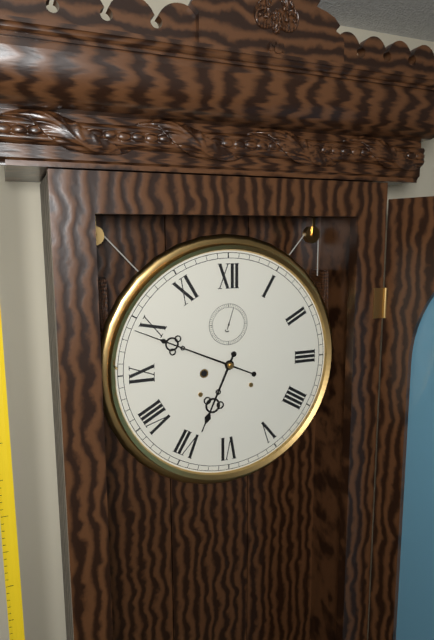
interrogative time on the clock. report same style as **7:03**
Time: **6:49**
